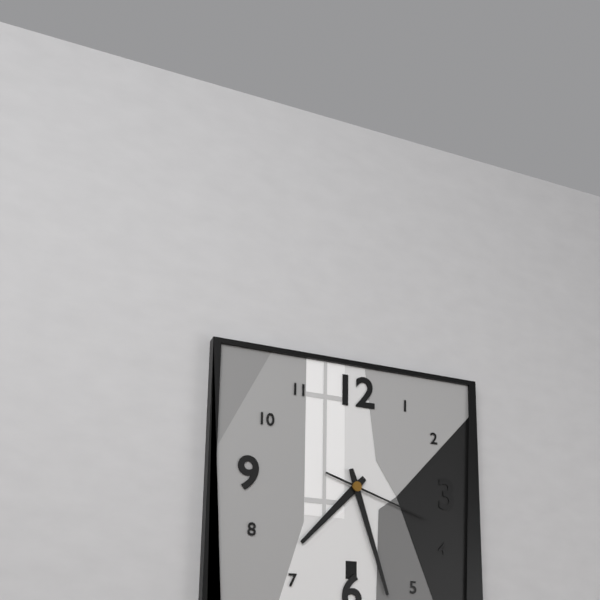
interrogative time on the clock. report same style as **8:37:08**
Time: **7:27:18**
